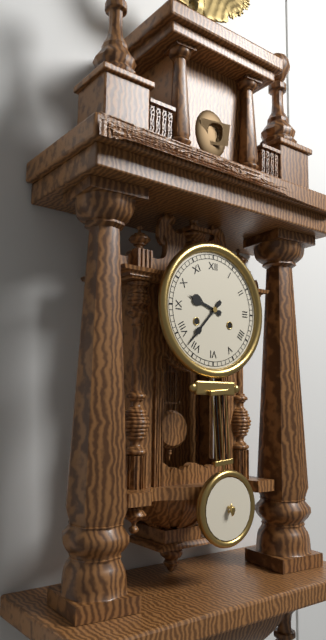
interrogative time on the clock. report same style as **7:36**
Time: **9:37**
